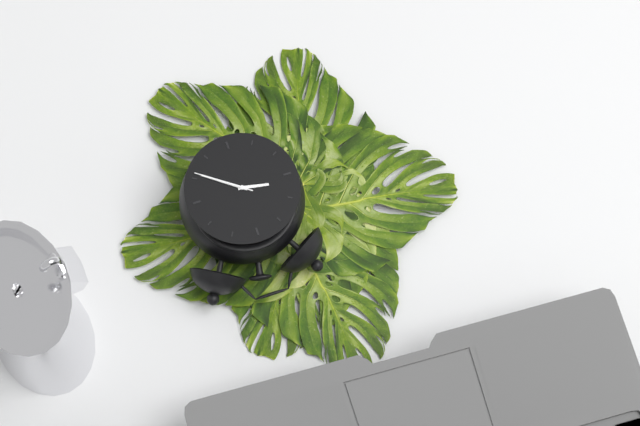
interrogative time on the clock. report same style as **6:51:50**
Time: **9:21:21**
